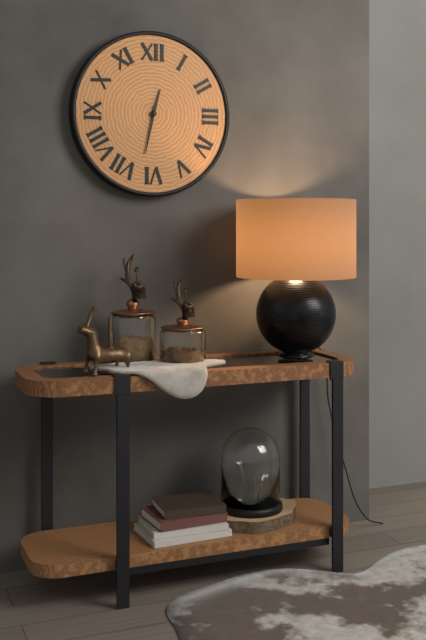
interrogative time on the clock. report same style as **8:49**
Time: **12:32**
